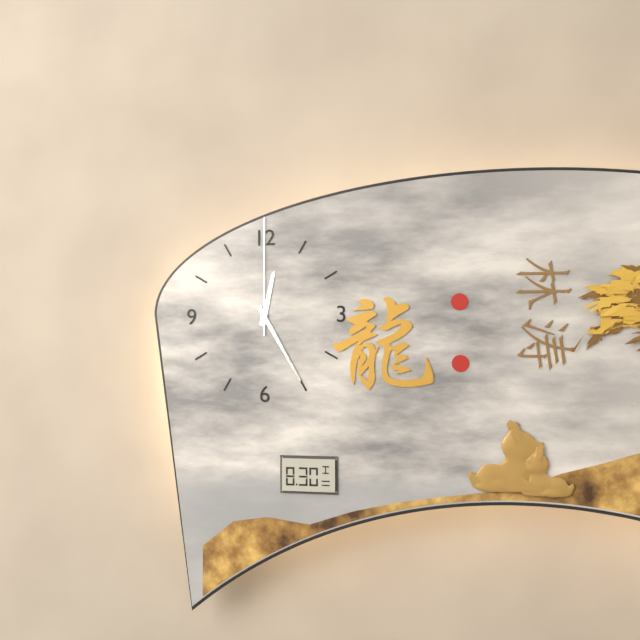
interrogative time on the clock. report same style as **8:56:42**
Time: **12:25:00**
